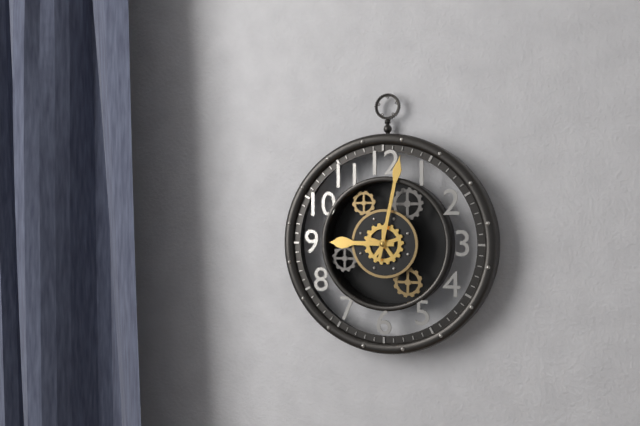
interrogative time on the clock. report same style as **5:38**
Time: **9:02**
